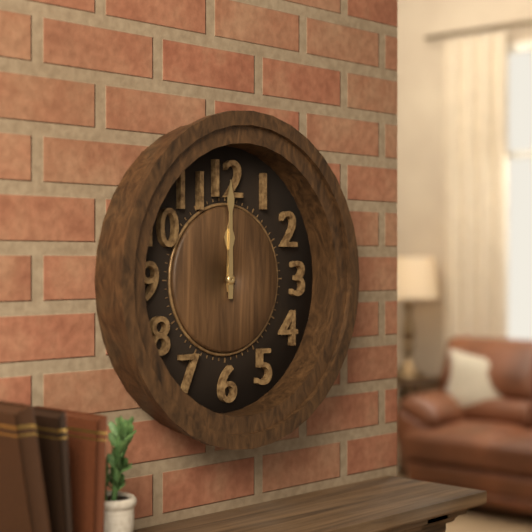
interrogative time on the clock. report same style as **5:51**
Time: **12:00**
